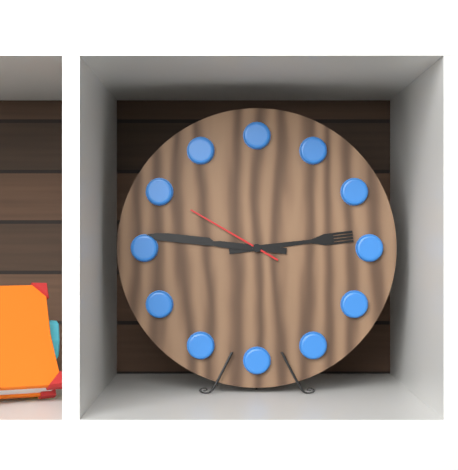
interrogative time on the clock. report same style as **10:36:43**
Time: **2:46:50**
